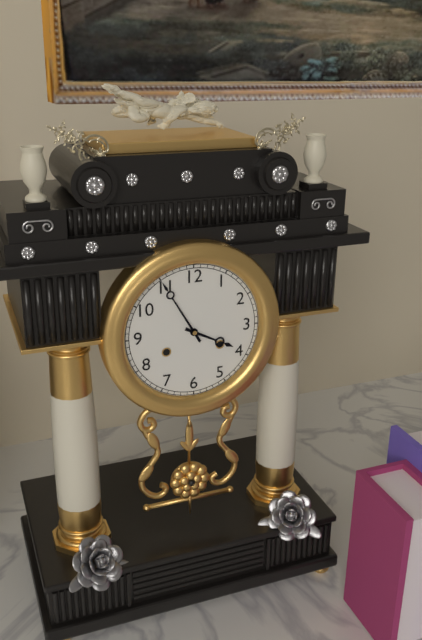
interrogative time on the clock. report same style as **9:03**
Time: **3:55**
